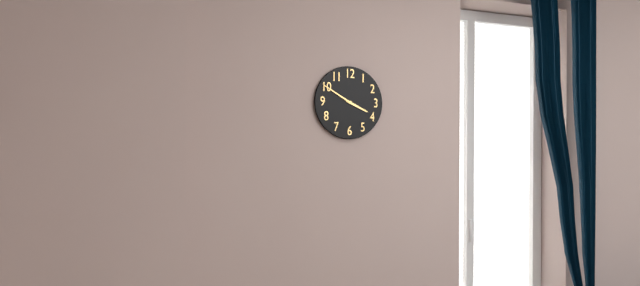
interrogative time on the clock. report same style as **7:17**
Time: **3:50**
